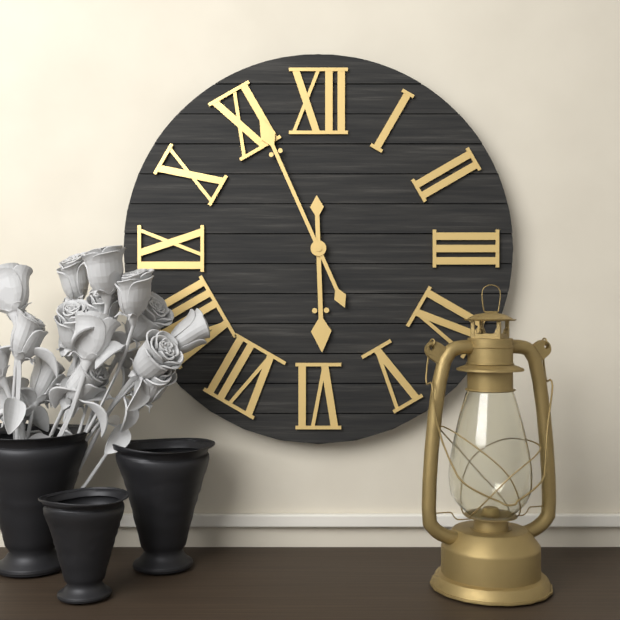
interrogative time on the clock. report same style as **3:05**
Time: **5:56**
